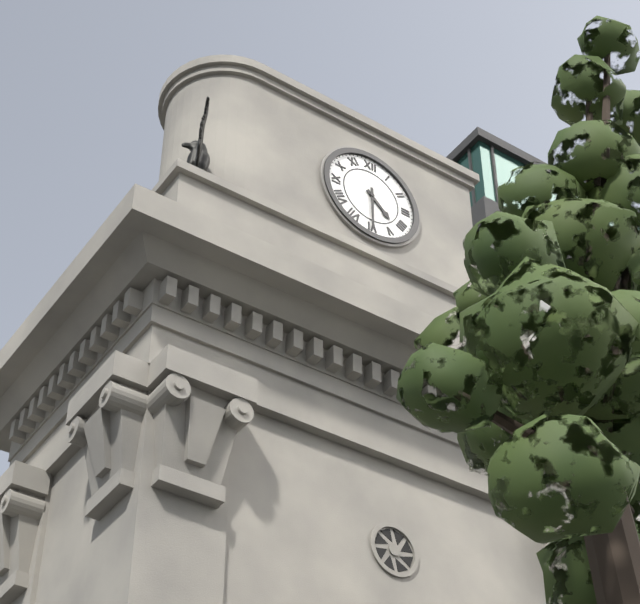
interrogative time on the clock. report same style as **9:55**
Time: **4:30**
